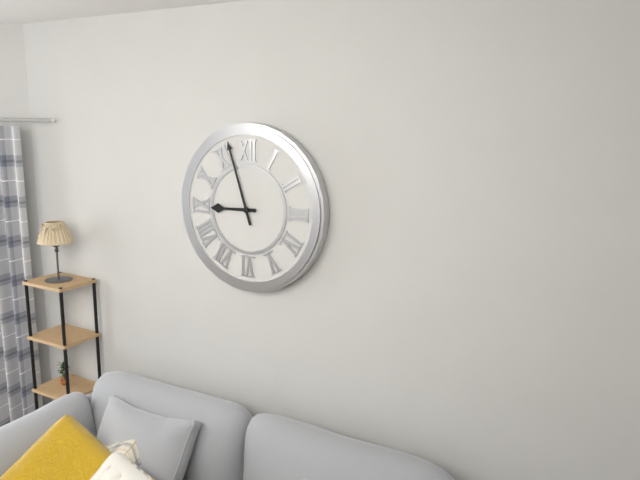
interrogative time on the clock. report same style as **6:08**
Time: **8:57**
